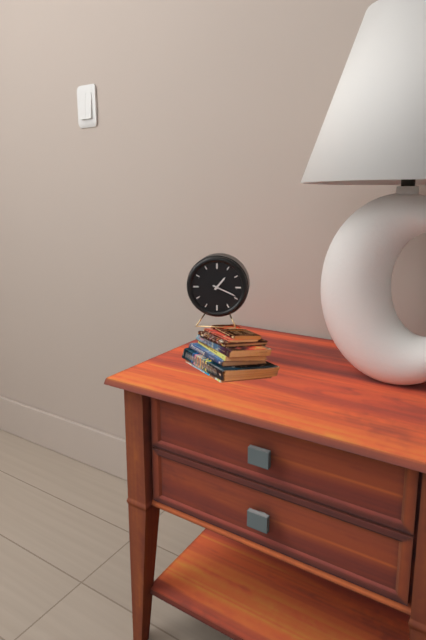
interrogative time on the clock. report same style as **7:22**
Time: **1:19**
